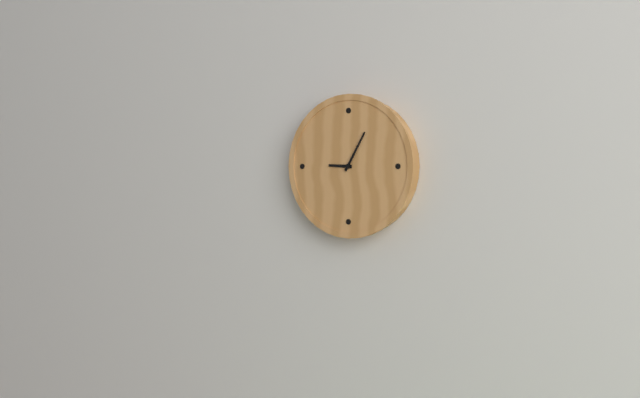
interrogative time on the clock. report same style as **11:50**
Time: **9:05**
